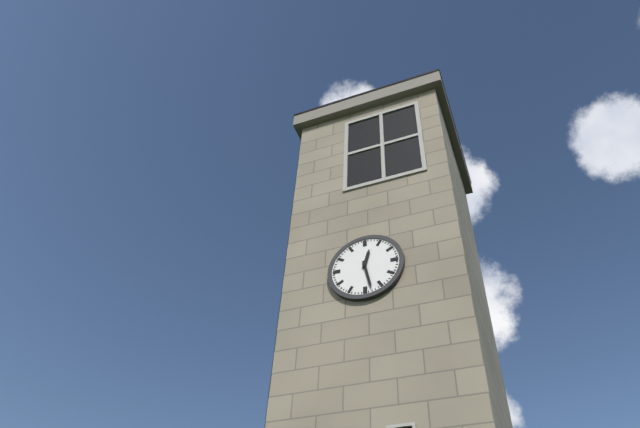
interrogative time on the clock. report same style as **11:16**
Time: **12:28**
